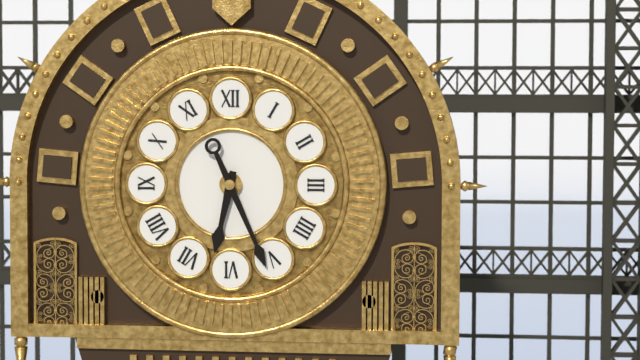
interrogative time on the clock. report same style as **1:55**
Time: **6:26**
